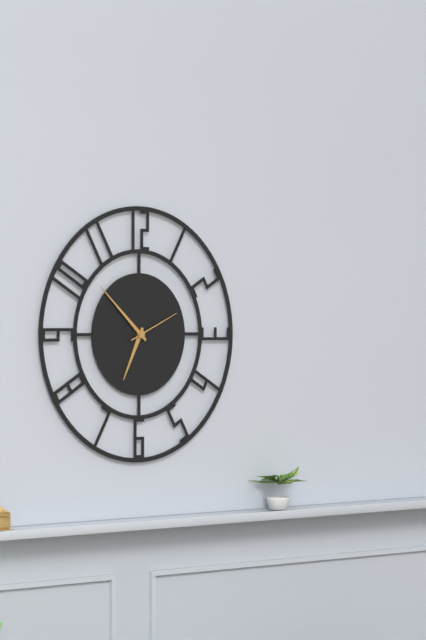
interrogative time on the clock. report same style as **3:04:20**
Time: **6:52:11**
